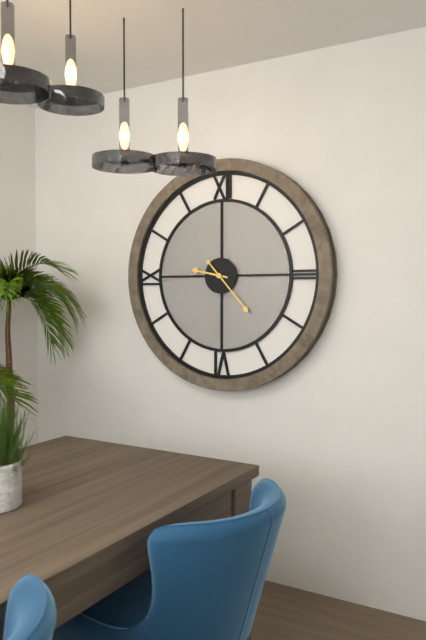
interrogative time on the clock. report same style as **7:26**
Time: **9:23**
